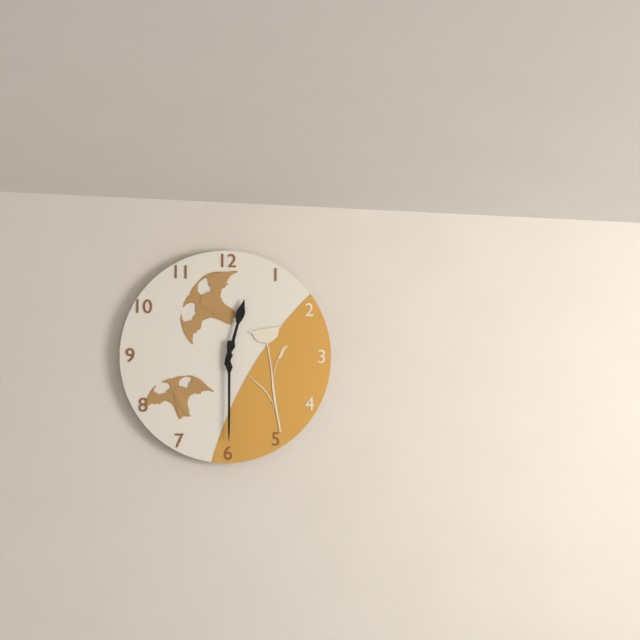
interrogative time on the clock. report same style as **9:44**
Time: **12:30**
